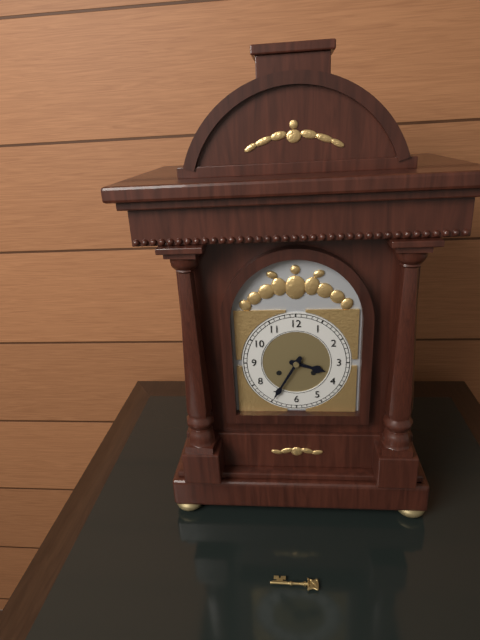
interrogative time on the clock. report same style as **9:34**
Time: **3:35**
